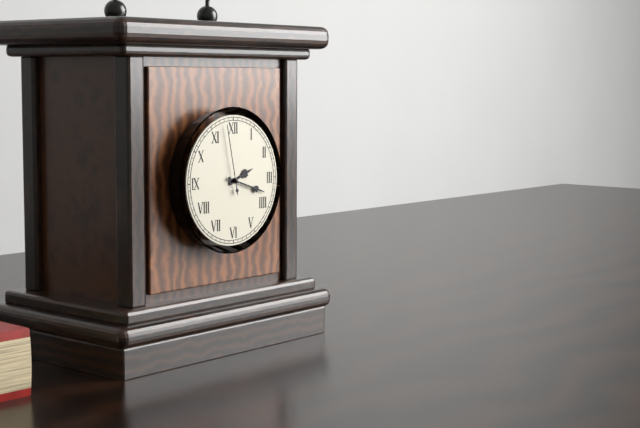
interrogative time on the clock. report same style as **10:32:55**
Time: **2:18:58**
